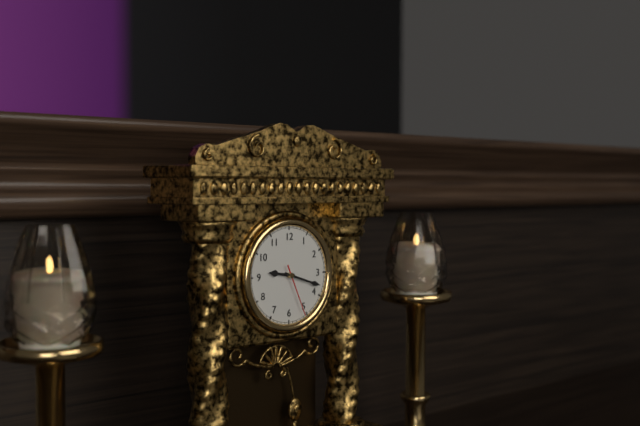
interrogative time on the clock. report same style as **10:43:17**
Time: **9:18:26**
